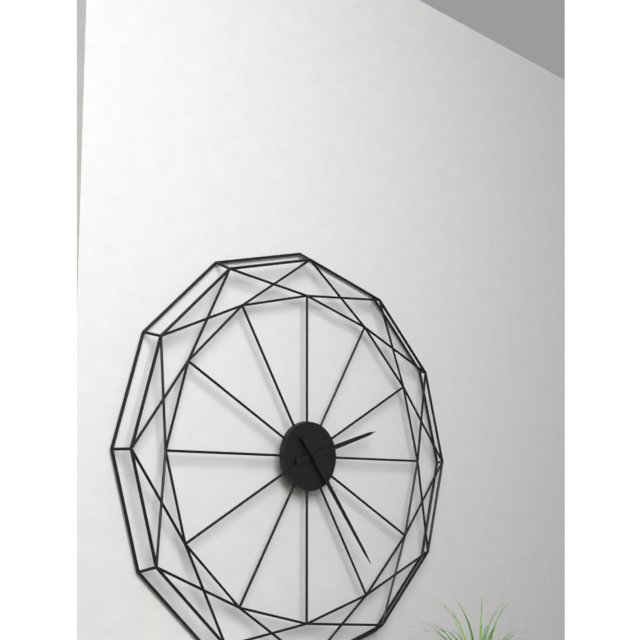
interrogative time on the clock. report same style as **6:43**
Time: **2:24**
